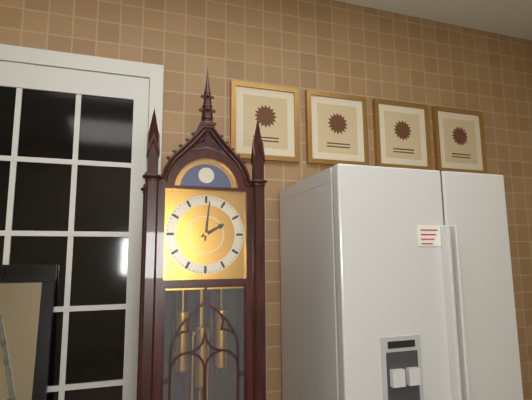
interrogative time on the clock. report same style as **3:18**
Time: **2:01**
